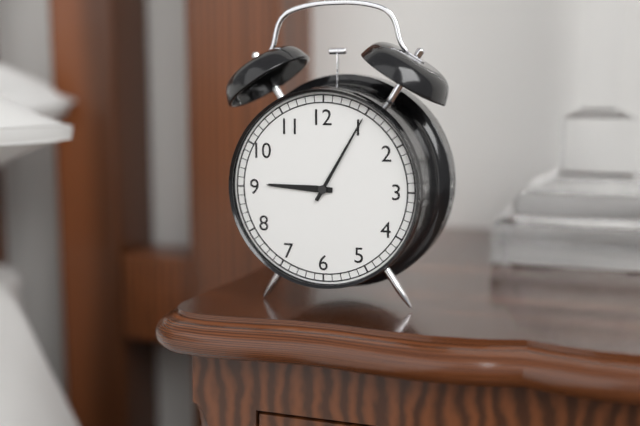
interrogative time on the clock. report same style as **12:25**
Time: **9:05**
